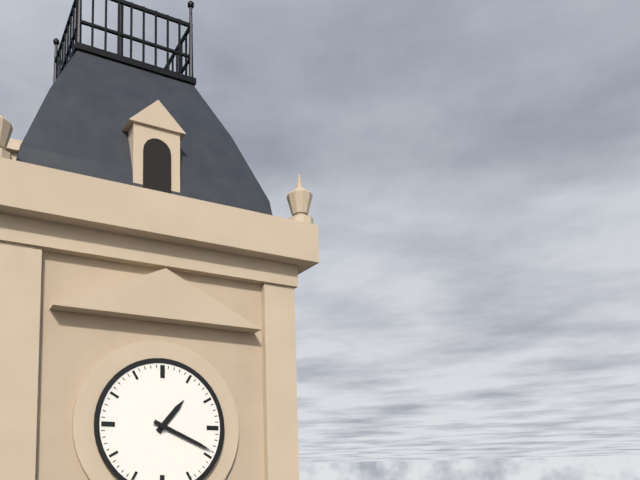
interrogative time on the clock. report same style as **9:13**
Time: **1:19**
